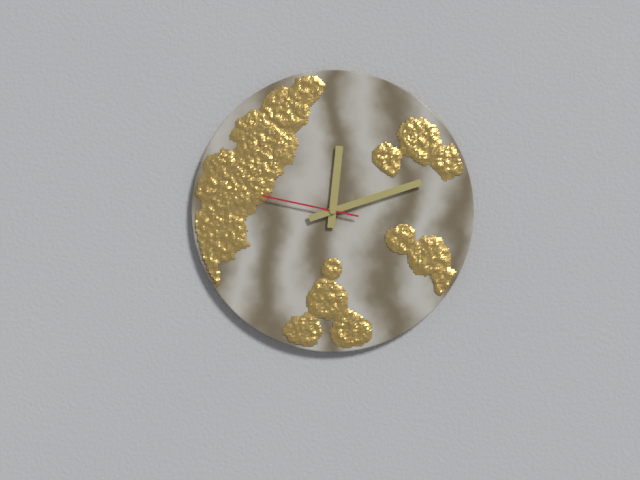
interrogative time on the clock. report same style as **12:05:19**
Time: **12:12:47**
